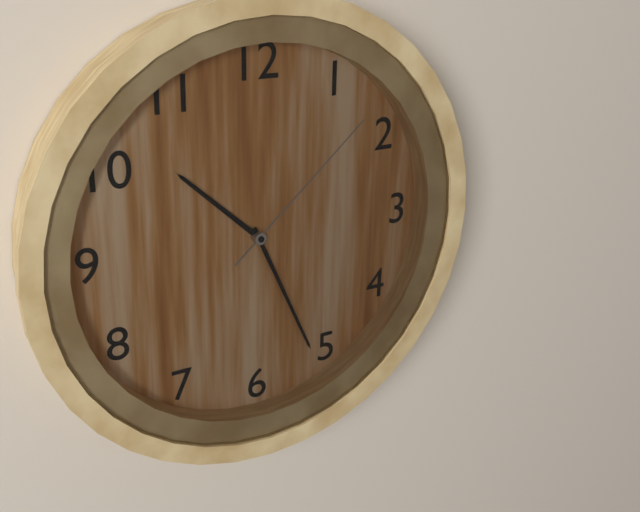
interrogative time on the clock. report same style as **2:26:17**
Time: **10:26:08**
